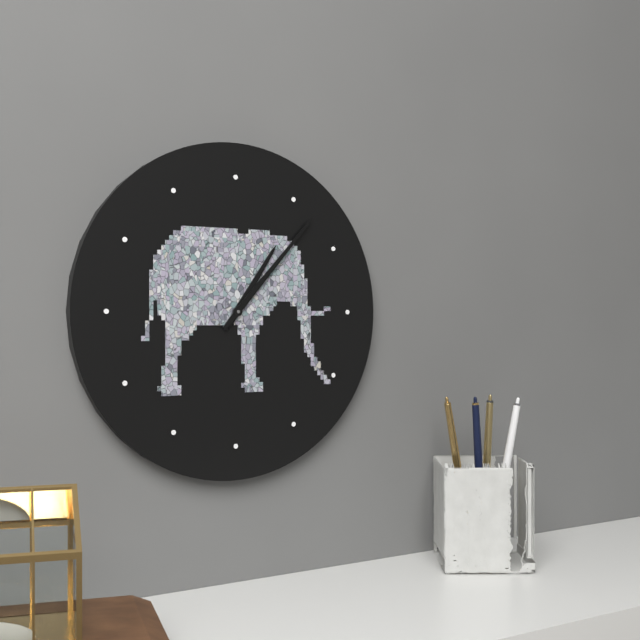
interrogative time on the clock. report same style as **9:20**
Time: **1:07**
